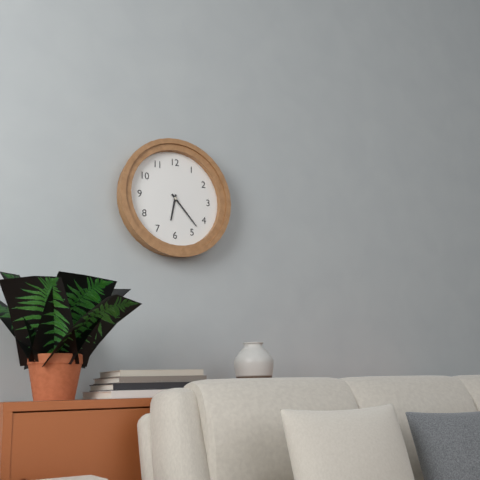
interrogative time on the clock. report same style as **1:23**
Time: **6:23**
